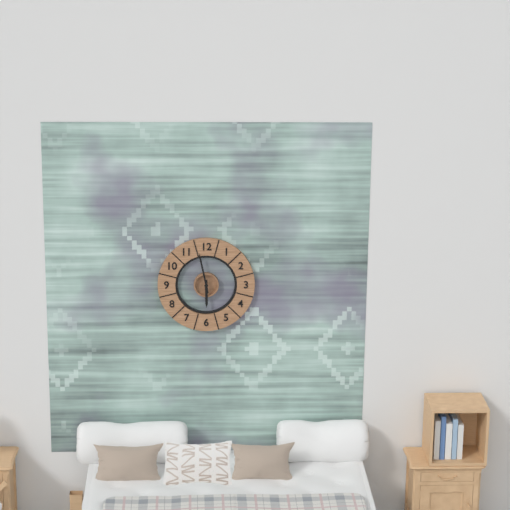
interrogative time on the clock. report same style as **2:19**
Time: **5:58**
